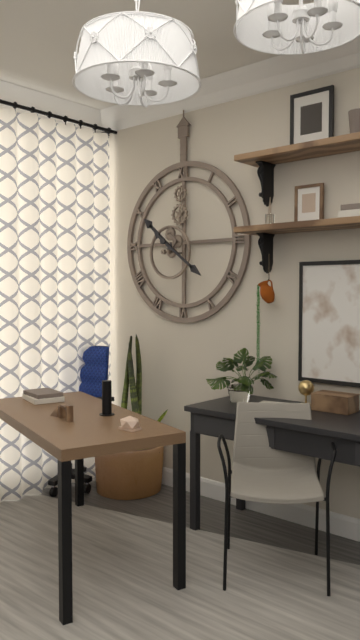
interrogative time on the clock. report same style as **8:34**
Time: **10:21**
